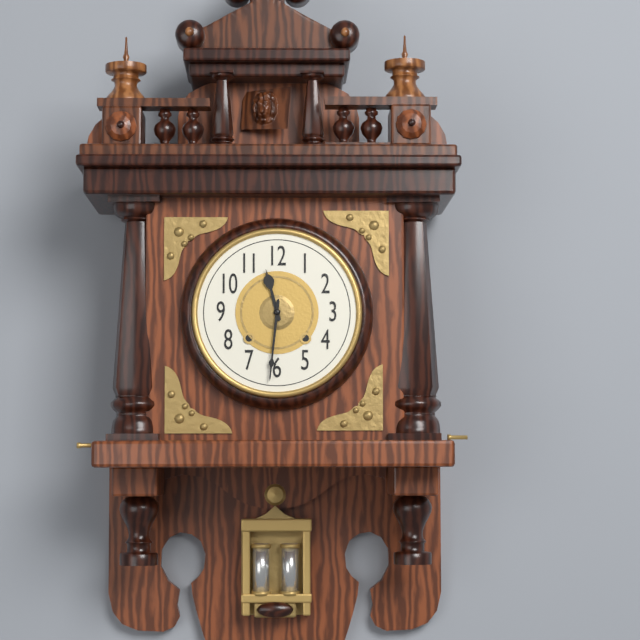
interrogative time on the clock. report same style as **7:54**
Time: **11:31**
